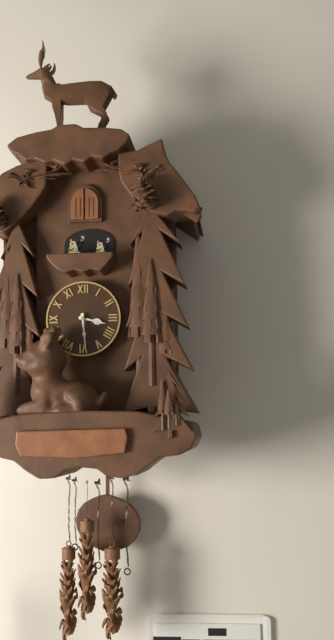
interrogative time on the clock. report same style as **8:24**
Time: **3:29**
